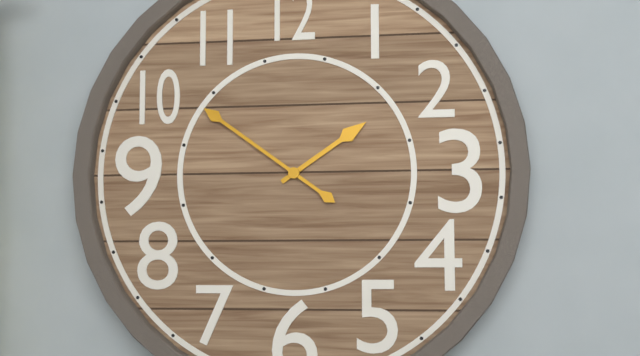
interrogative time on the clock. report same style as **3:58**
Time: **1:51**
